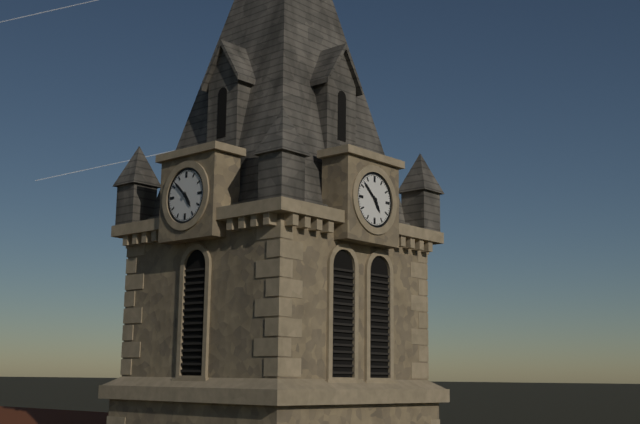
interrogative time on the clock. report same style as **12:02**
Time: **4:52**
